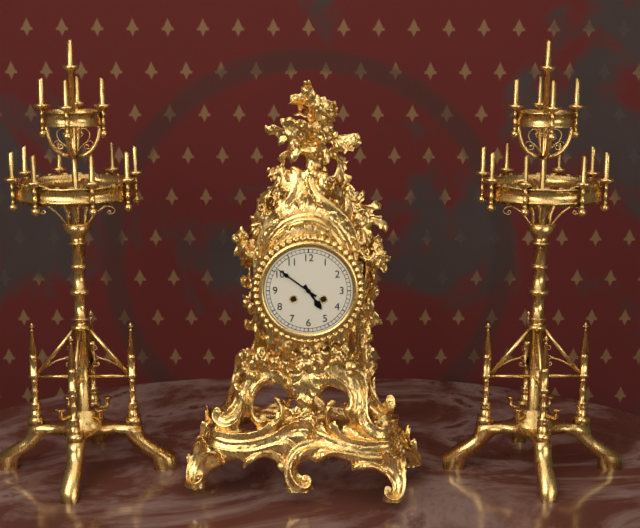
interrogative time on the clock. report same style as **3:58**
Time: **4:51**
